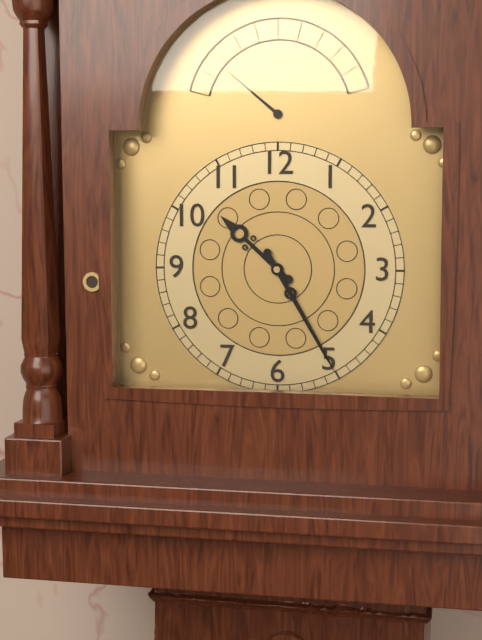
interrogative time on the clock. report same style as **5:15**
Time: **10:25**
